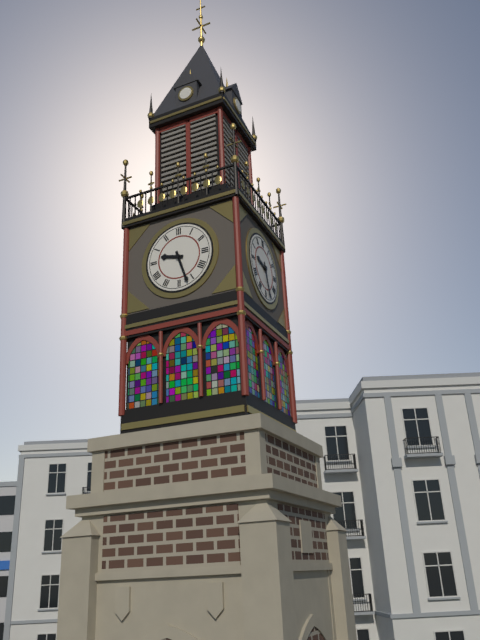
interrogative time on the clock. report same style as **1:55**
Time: **9:27**
